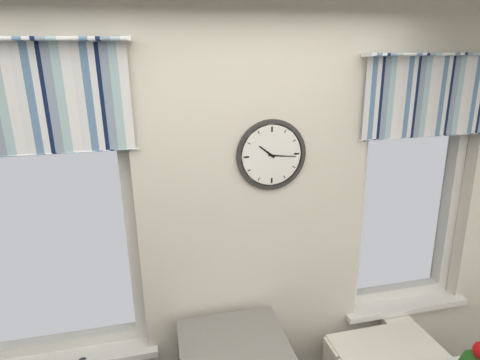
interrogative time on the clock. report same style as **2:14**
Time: **10:16**
